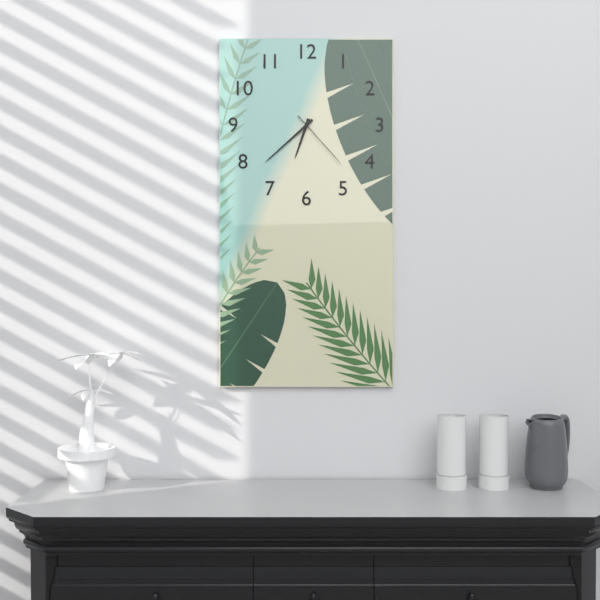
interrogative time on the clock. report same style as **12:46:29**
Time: **6:38:23**
